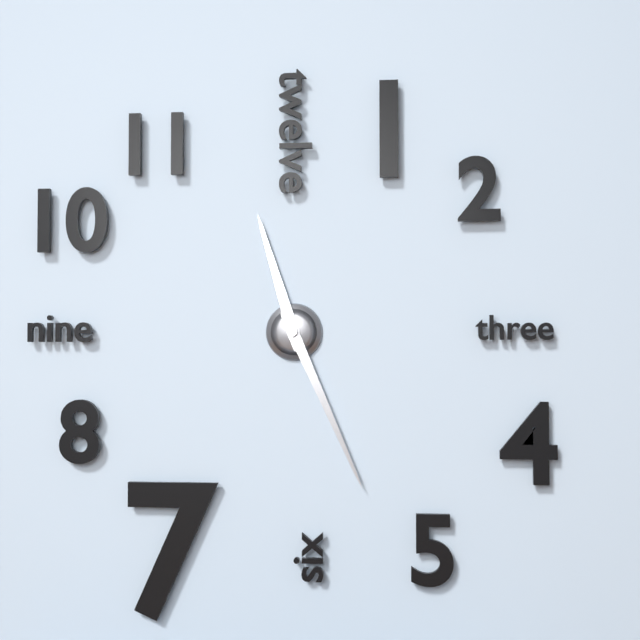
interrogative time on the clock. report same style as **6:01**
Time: **11:26**
